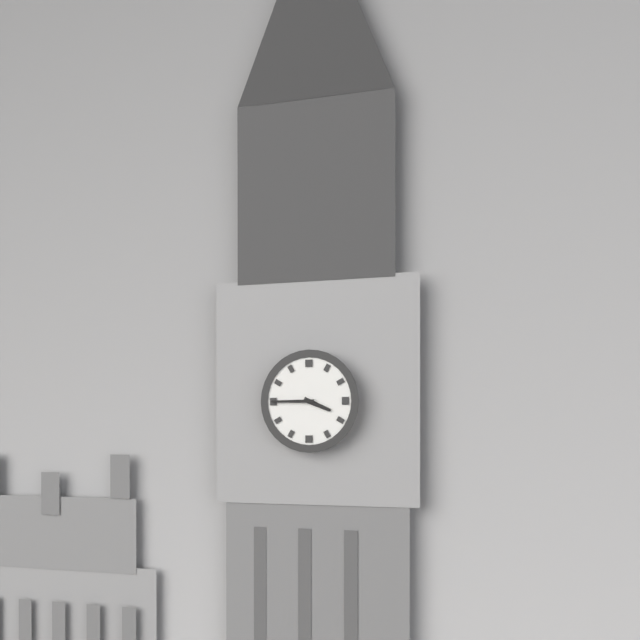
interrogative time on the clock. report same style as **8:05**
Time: **3:45**
